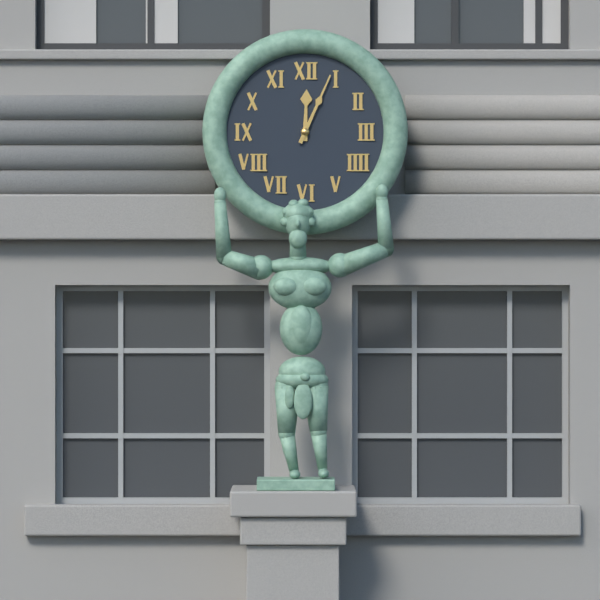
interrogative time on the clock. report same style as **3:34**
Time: **12:04**
